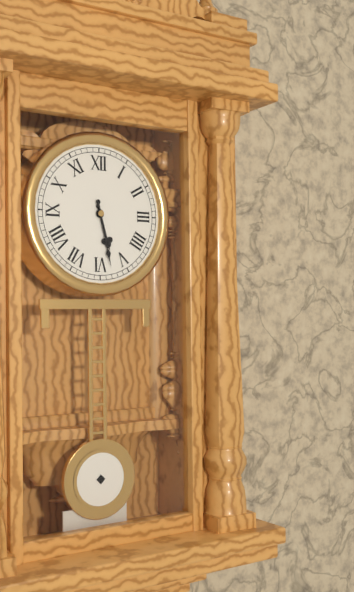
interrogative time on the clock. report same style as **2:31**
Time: **5:28**
